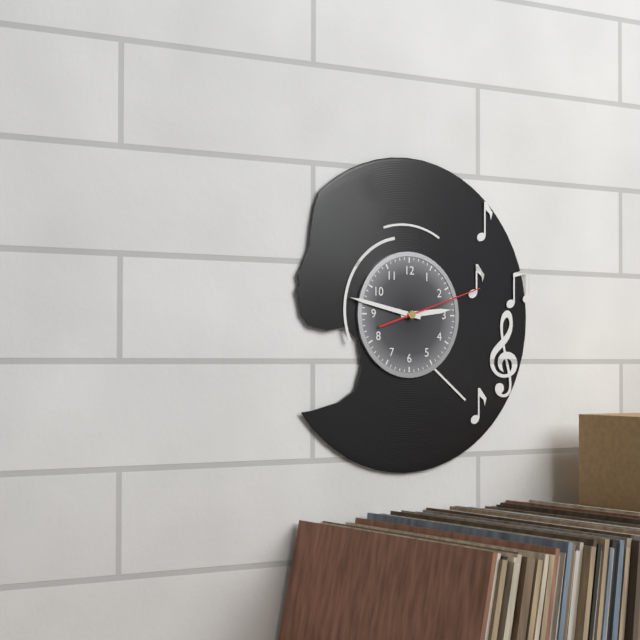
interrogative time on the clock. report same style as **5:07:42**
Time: **2:47:12**
